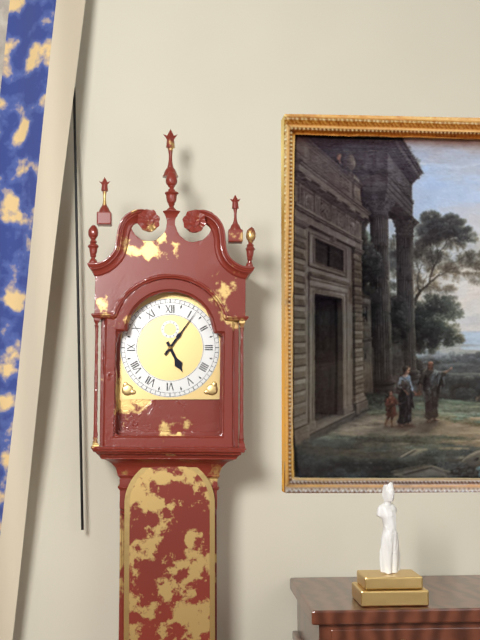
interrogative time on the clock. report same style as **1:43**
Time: **5:06**
